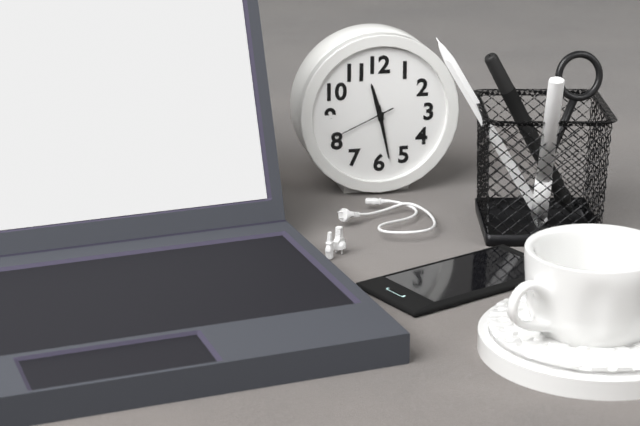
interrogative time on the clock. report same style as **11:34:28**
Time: **11:28:41**
